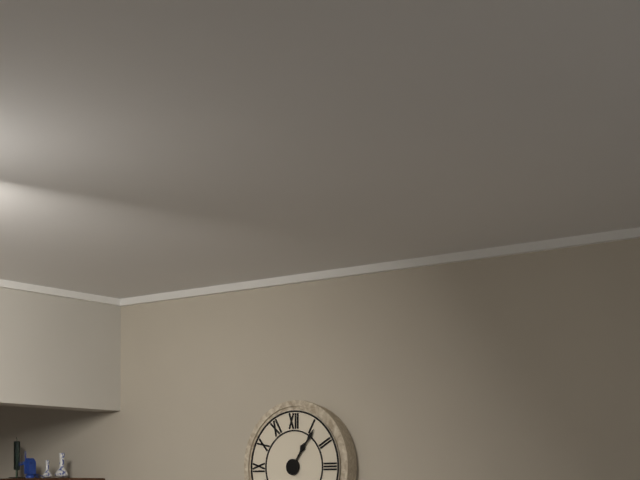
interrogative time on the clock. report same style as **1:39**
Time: **1:06**
